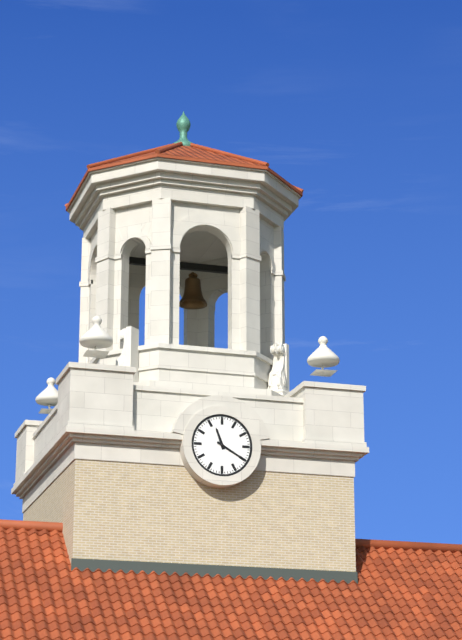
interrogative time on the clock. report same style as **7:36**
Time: **11:20**
